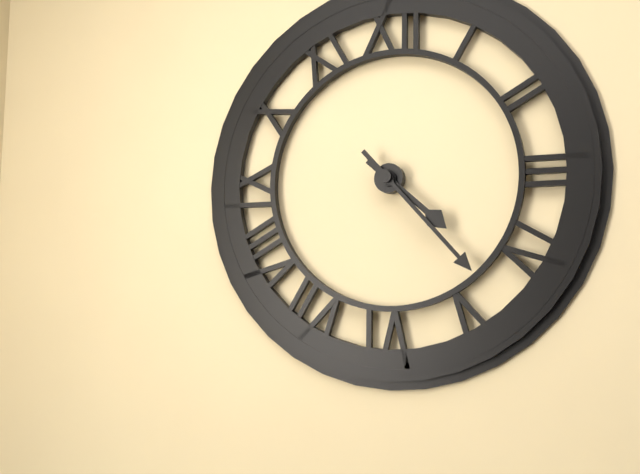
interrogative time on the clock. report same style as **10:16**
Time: **4:23**
